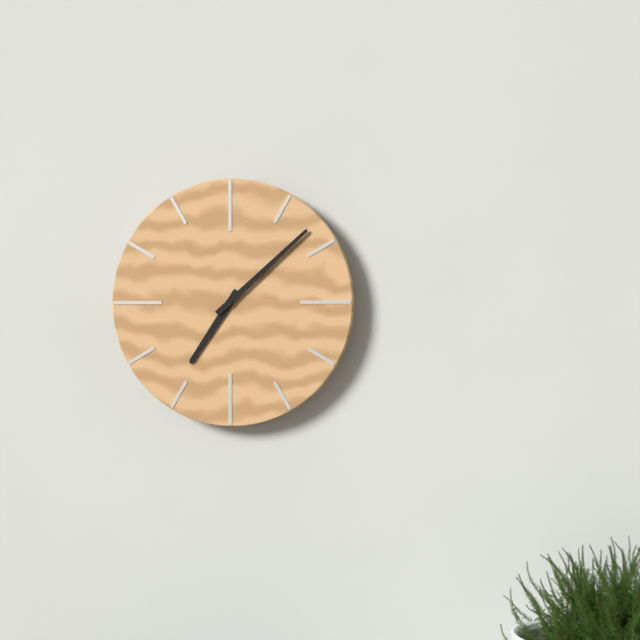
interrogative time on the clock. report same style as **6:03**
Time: **7:08**
